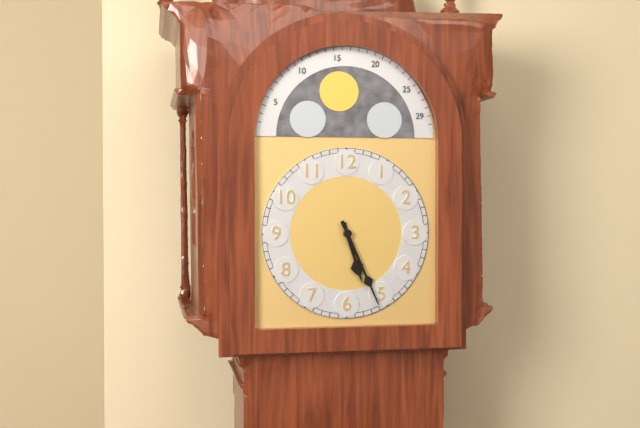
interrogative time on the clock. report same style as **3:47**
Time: **5:26**
